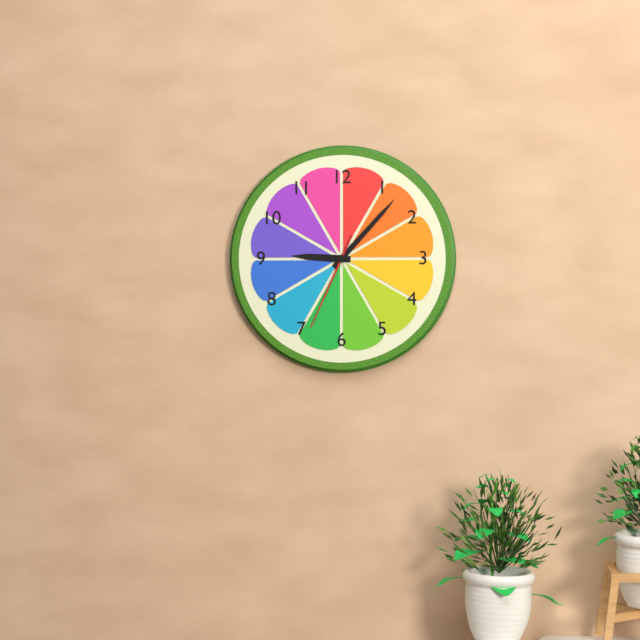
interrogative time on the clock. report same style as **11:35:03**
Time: **9:07:34**
